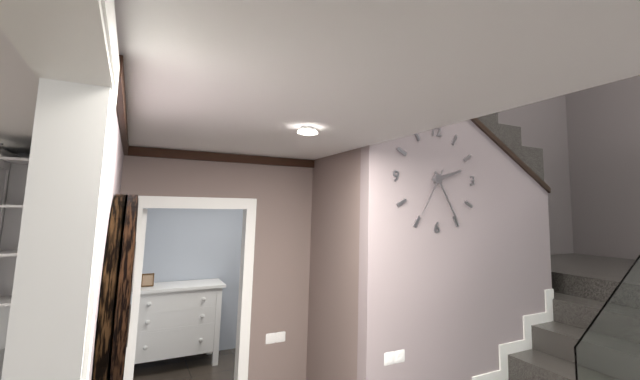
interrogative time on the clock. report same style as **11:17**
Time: **2:25**
